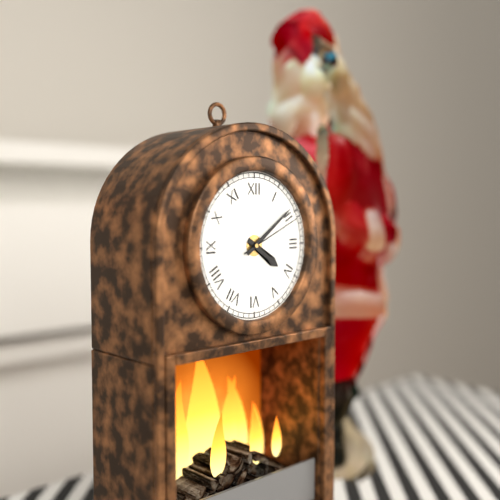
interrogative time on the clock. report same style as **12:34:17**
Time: **4:09:11**
